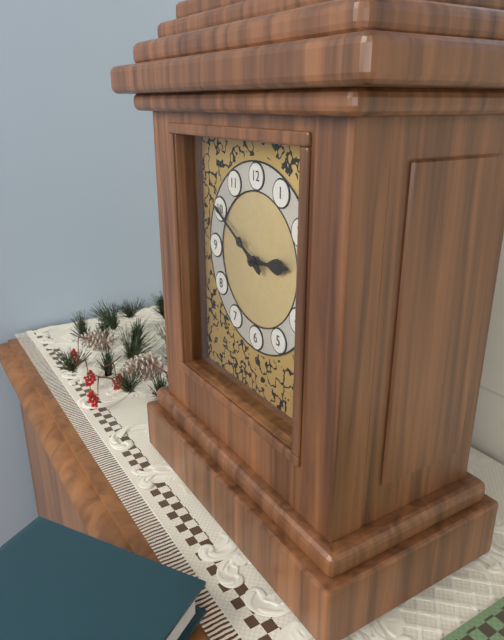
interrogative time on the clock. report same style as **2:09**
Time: **2:50**
